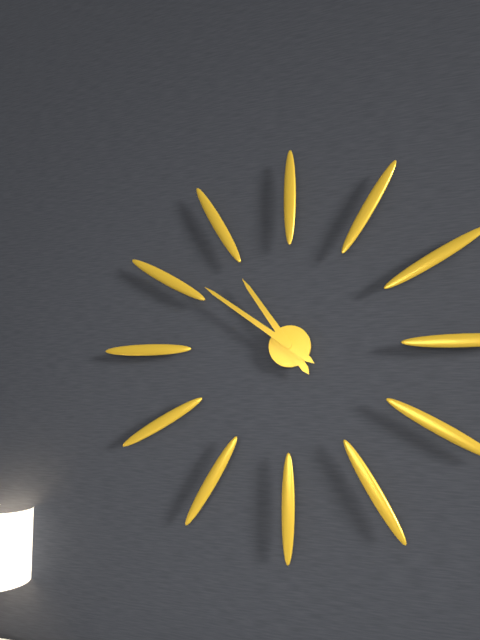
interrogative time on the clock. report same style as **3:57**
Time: **10:51**
